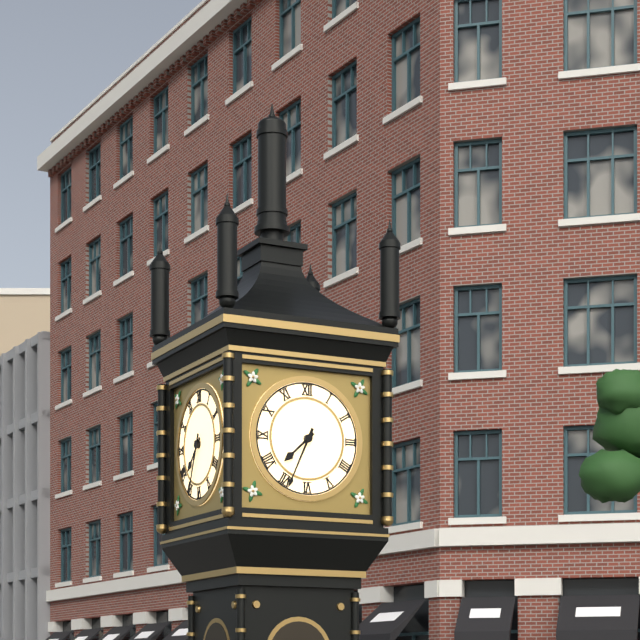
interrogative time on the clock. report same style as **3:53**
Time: **7:34**
